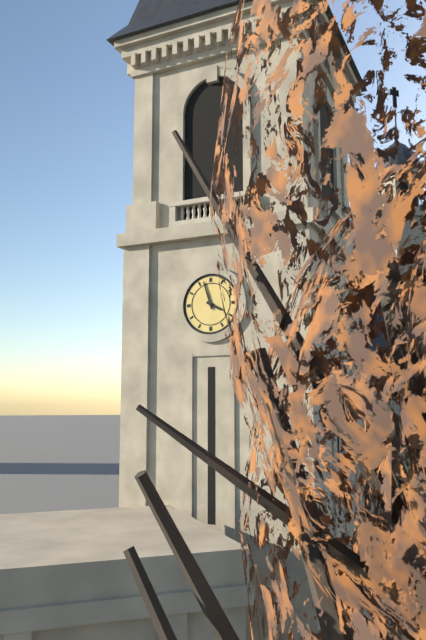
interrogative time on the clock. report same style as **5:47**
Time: **3:57**
